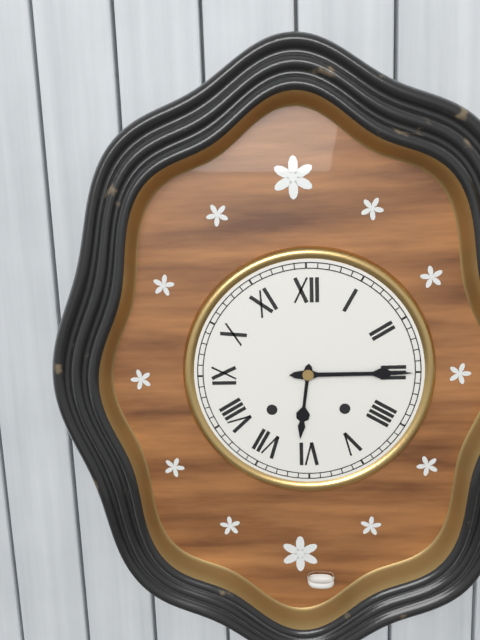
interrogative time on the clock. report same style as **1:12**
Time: **6:15**
